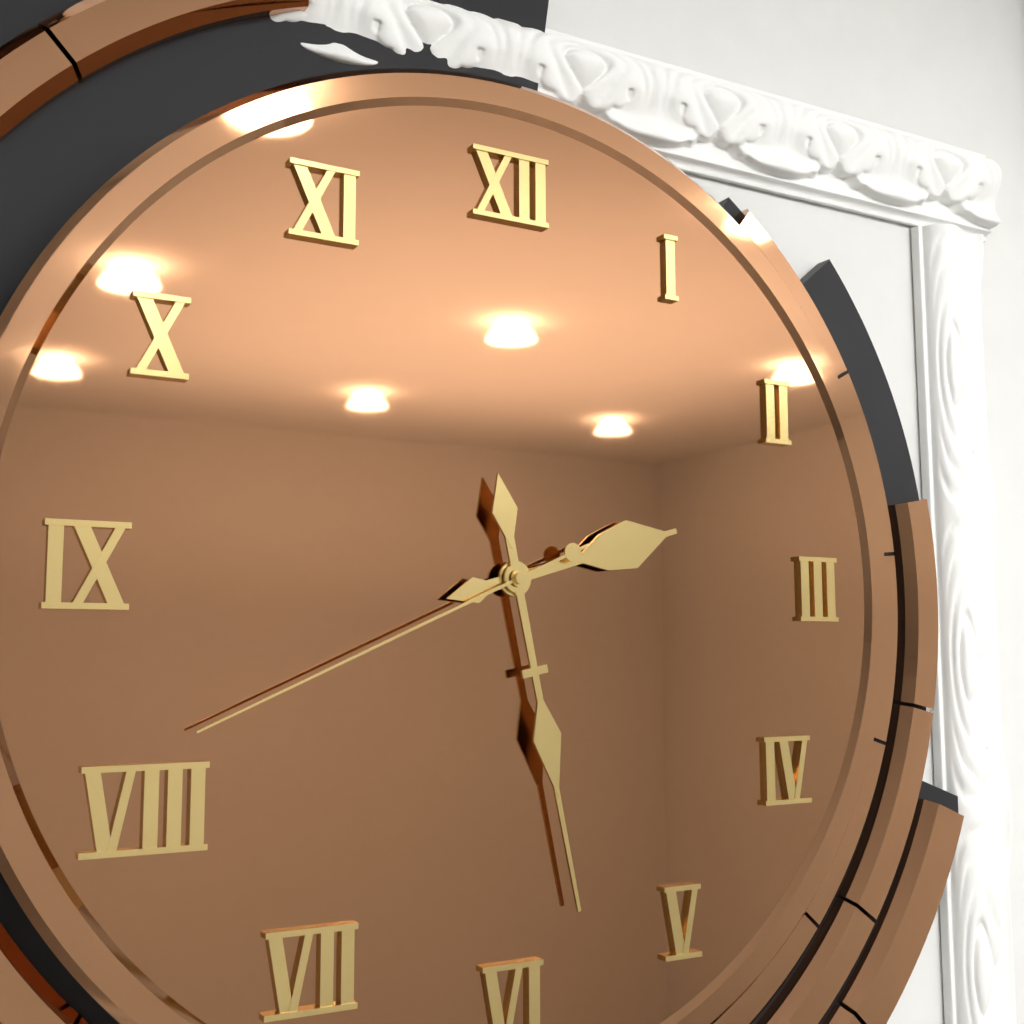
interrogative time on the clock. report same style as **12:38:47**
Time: **2:28:41**
